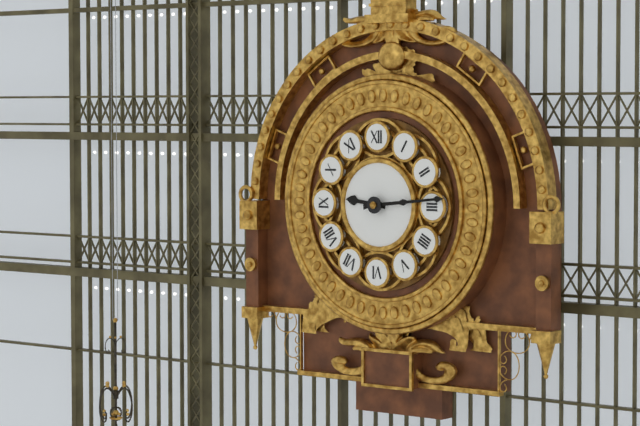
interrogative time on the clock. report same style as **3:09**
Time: **9:14**
